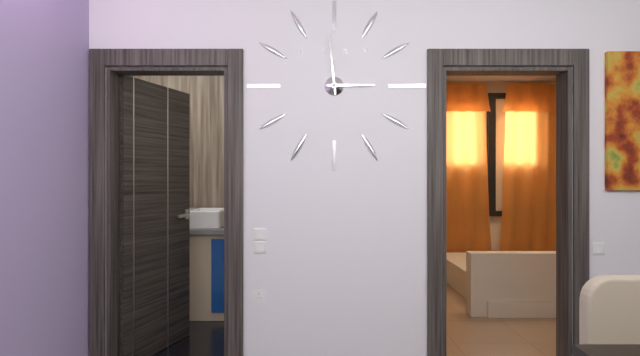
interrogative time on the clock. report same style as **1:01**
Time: **2:59**
